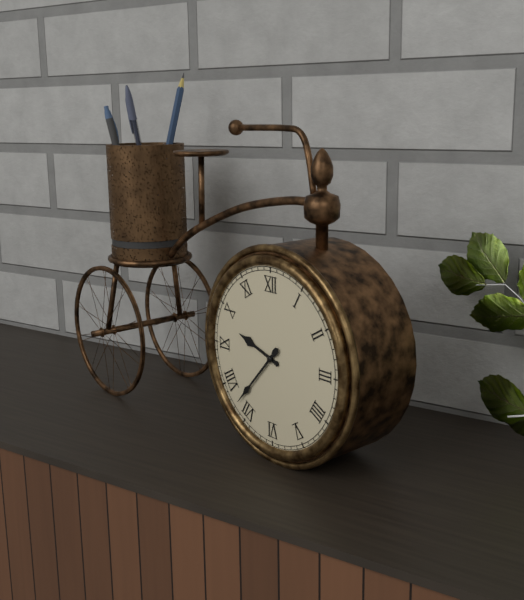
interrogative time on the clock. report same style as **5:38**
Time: **9:37**
